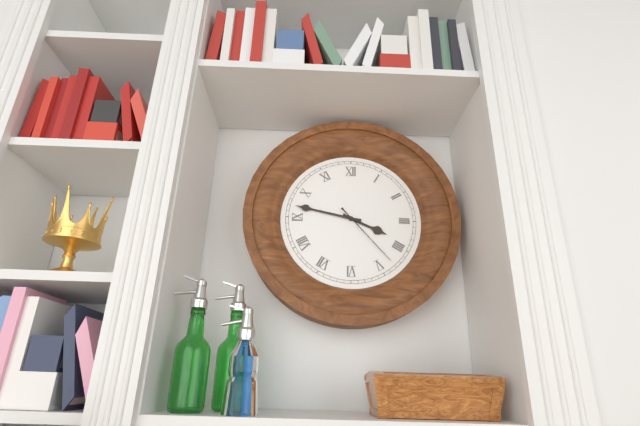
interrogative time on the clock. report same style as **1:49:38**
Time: **3:47:23**
